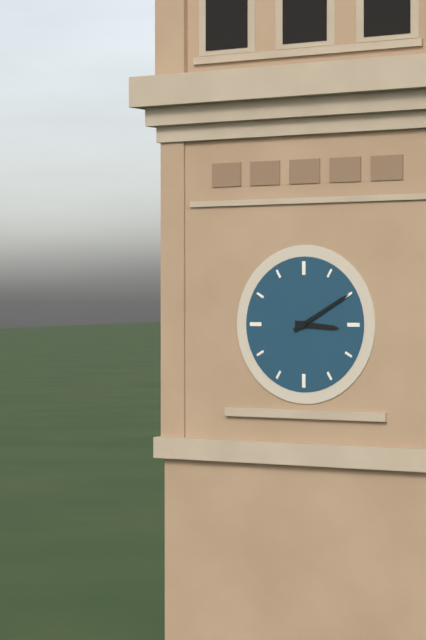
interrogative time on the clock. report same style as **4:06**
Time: **3:10**
